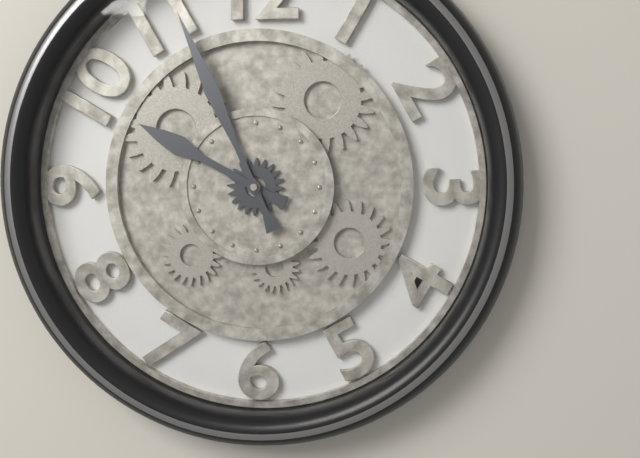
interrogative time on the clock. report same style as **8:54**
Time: **9:56**
